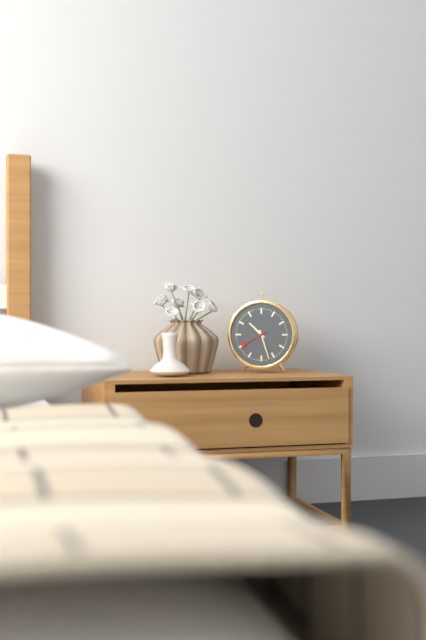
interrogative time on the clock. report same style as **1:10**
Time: **10:27**
